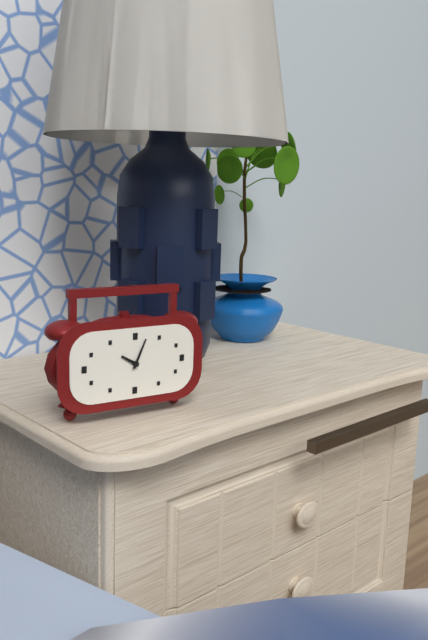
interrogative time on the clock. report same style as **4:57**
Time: **10:04**
